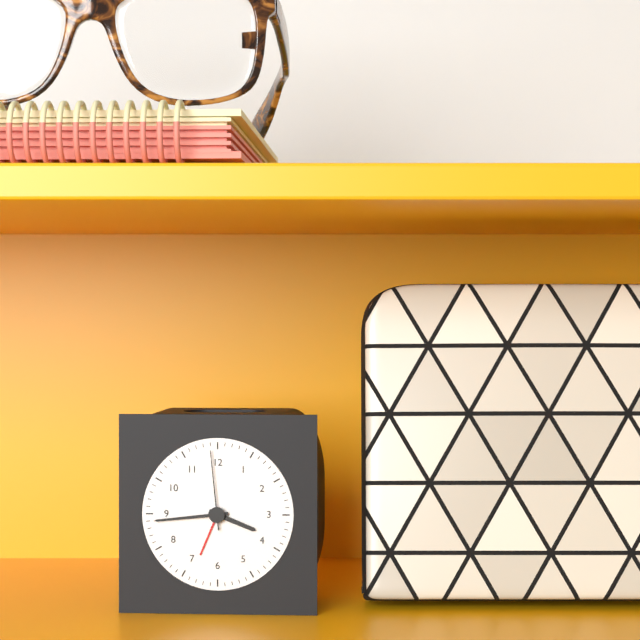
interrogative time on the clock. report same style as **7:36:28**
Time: **3:44:59**
